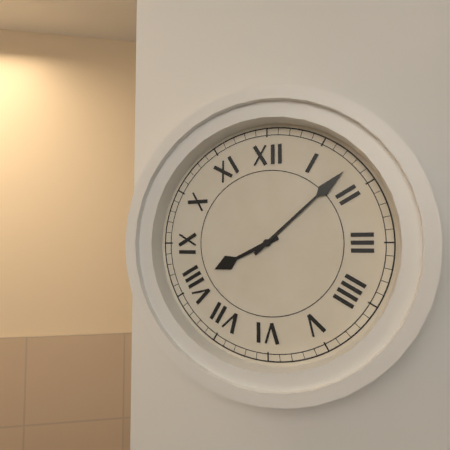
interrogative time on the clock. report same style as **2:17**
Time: **8:08**
